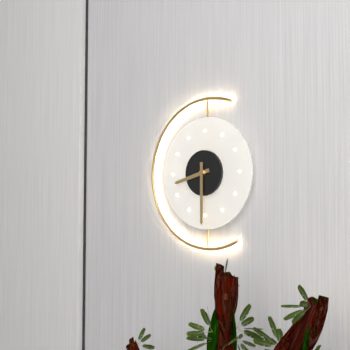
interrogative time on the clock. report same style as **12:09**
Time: **8:30**
